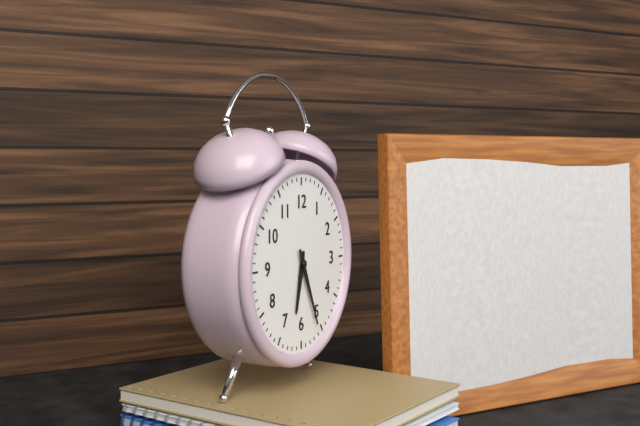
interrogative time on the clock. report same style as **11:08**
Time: **6:26**
